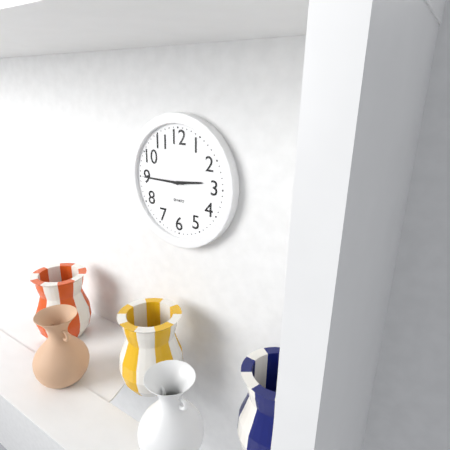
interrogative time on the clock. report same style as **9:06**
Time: **2:45**
